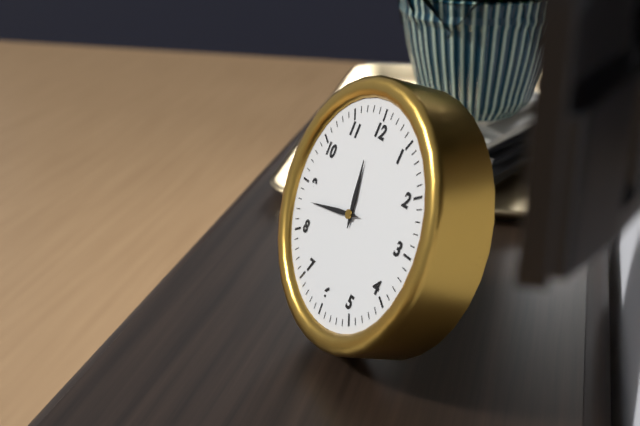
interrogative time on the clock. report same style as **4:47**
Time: **11:43**
